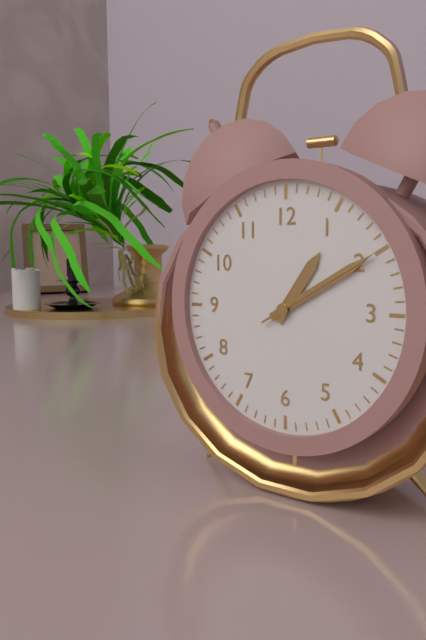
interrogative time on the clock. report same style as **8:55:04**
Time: **1:10:10**
